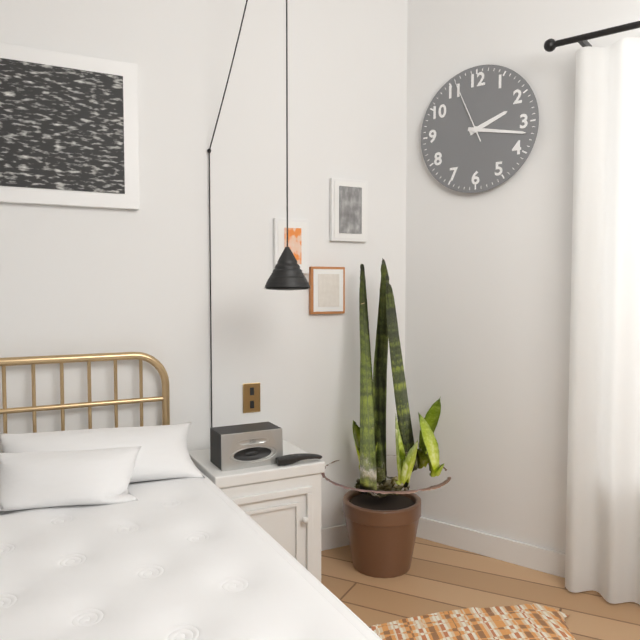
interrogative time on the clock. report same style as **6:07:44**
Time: **2:17:56**
